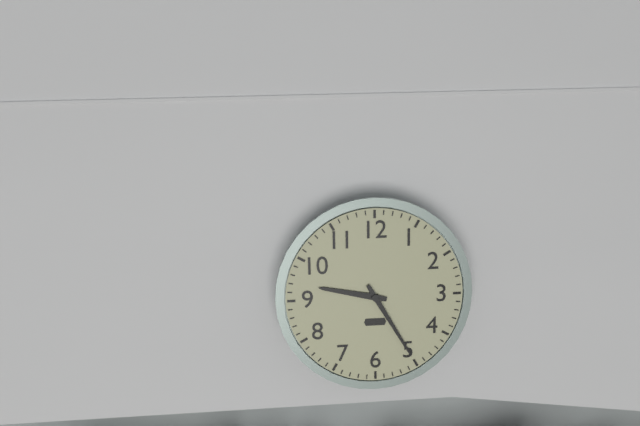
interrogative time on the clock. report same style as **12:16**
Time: **9:25**
